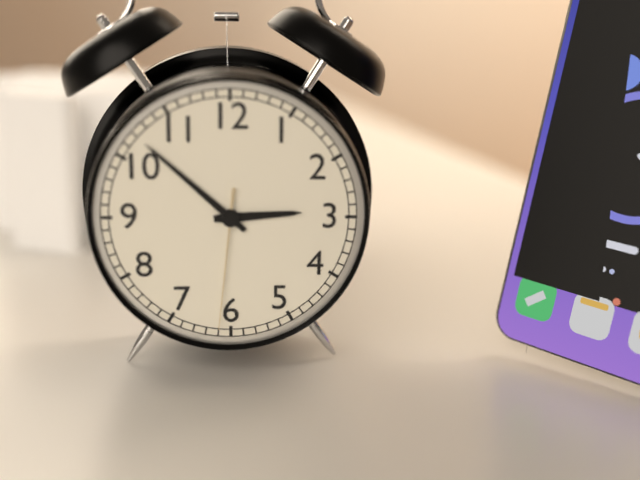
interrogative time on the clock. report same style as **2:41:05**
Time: **2:52:31**
